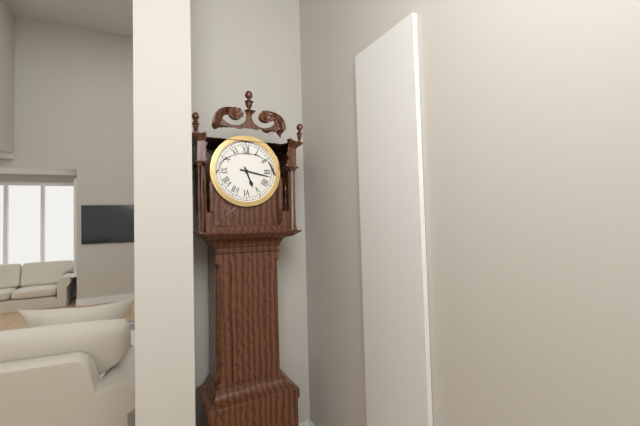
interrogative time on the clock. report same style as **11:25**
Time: **5:17**
